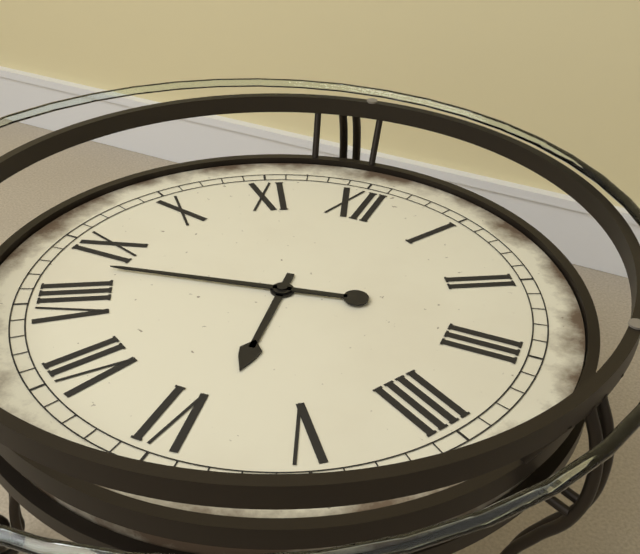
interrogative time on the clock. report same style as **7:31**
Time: **5:43**
